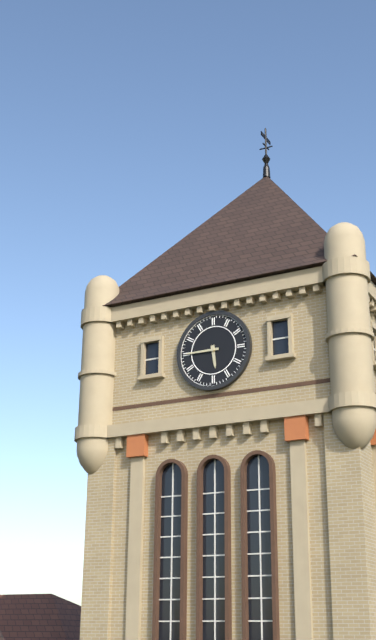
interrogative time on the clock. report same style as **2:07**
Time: **5:45**
